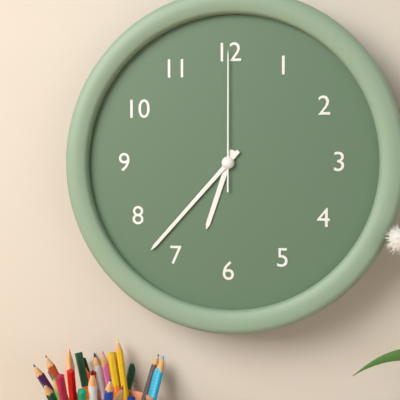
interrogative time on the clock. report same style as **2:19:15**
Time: **6:37:00**
